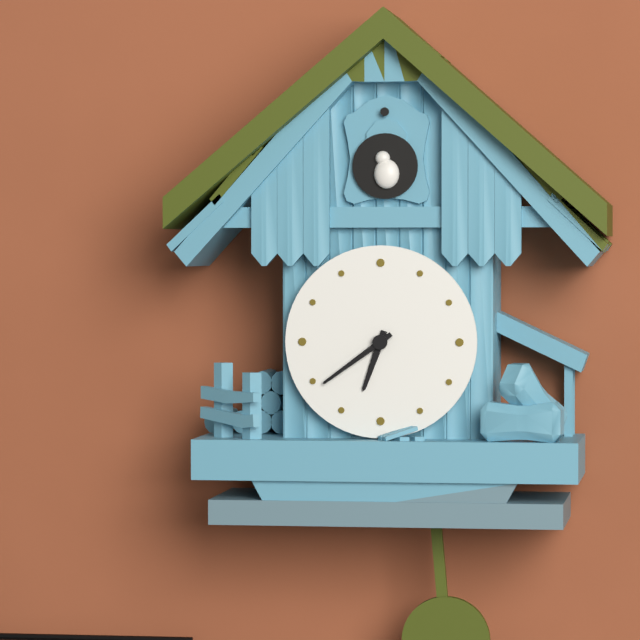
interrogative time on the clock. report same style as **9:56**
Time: **6:39**
